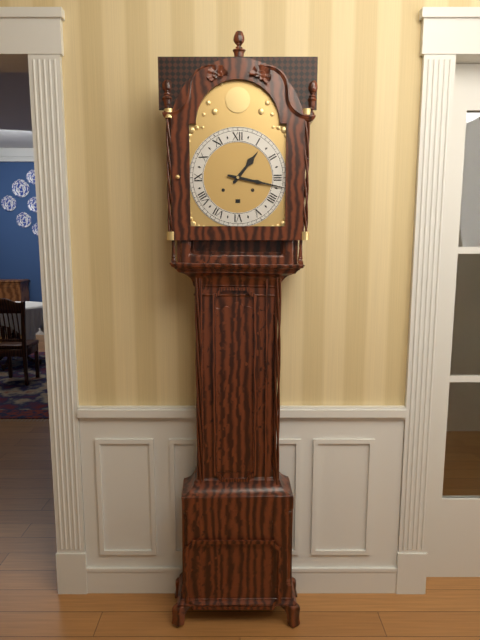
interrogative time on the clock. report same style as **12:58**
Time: **1:17**
